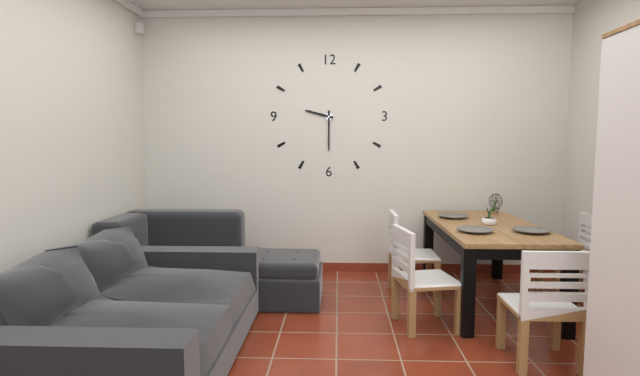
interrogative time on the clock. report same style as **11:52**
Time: **9:30**
